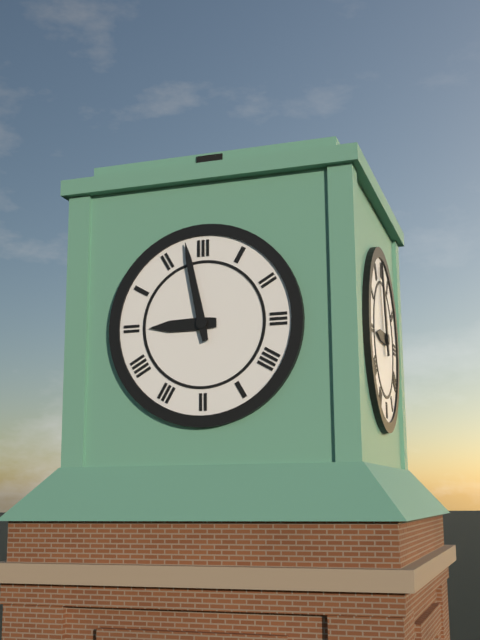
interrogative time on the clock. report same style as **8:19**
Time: **8:58**
